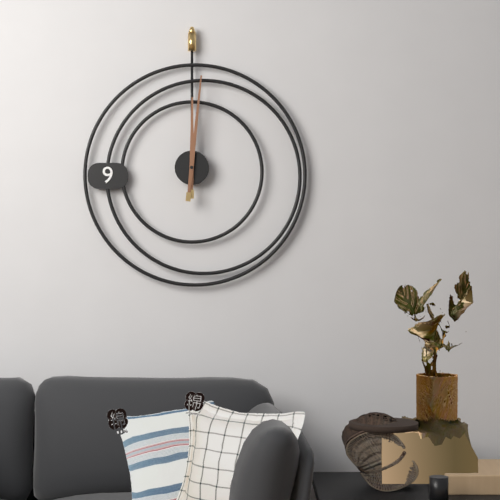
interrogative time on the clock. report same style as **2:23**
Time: **12:01**
